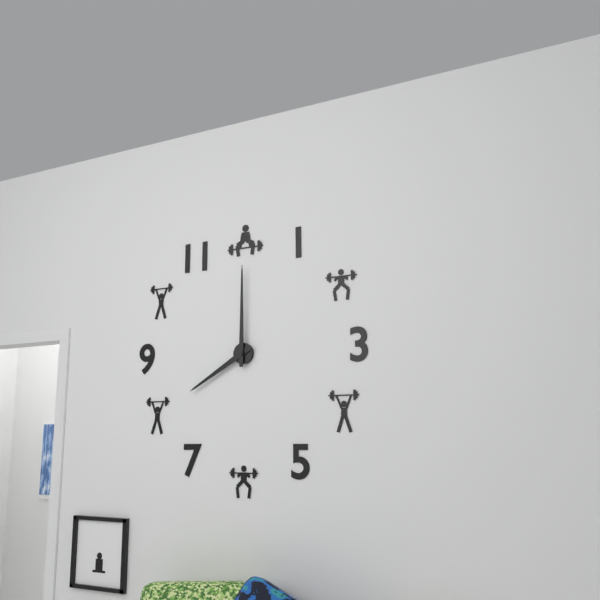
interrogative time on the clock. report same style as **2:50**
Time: **8:00**
